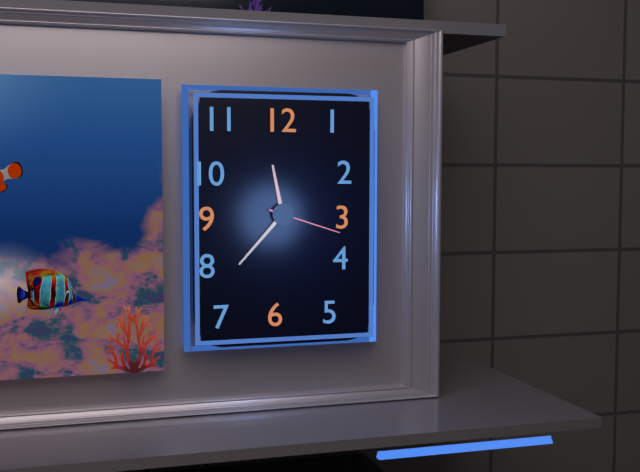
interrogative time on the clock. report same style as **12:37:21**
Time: **11:37:18**
